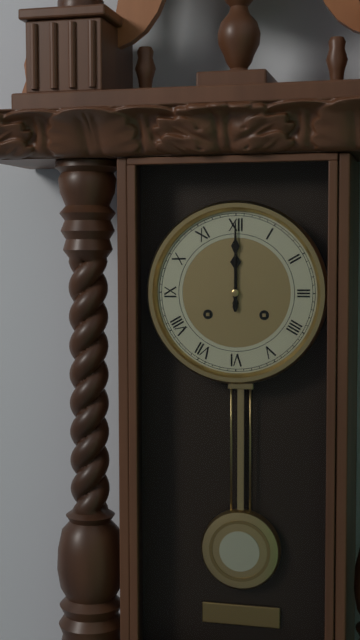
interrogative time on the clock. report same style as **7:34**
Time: **12:00**
